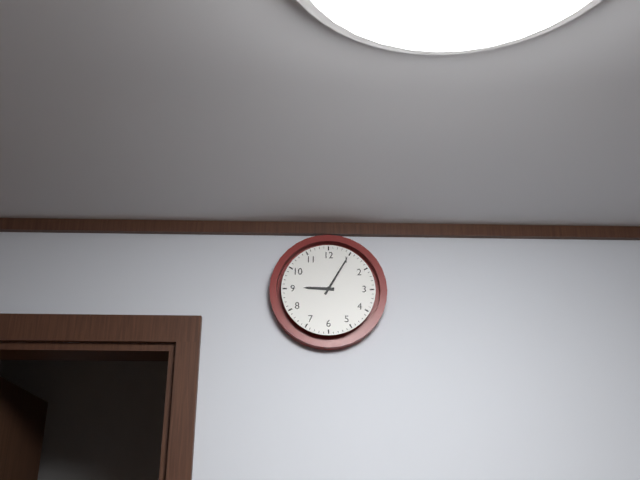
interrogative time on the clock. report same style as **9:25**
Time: **9:05**
